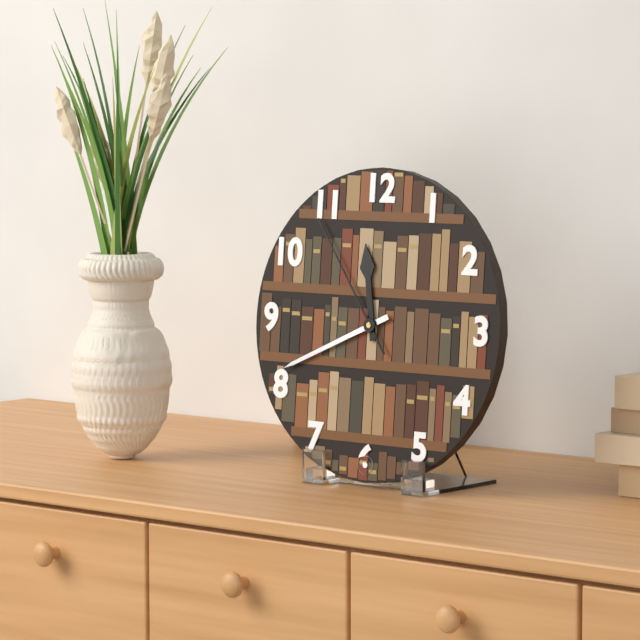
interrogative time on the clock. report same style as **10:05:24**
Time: **11:41:54**
